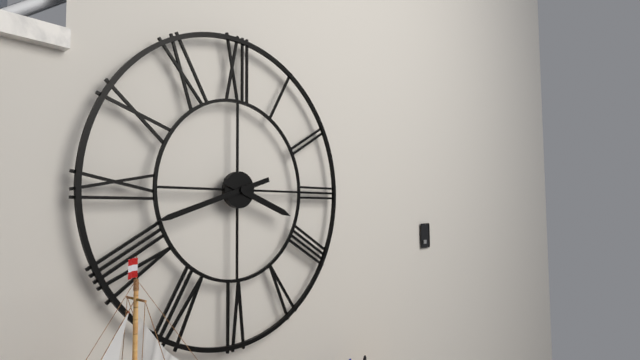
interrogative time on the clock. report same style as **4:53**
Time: **3:42**
